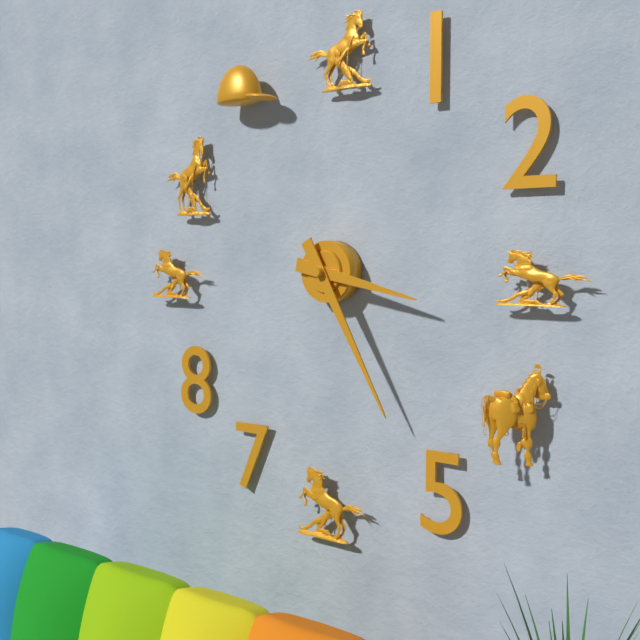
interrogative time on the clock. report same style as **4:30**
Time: **3:25**
